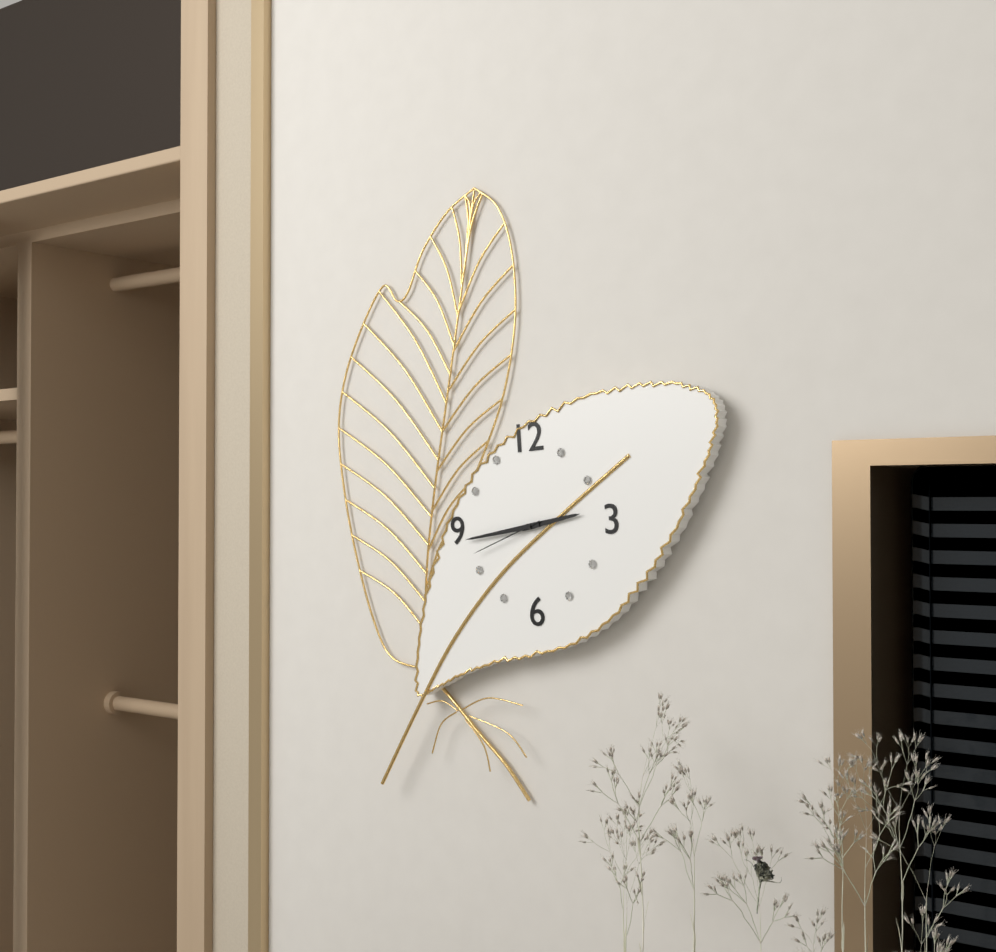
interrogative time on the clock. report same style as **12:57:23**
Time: **2:44:42**
